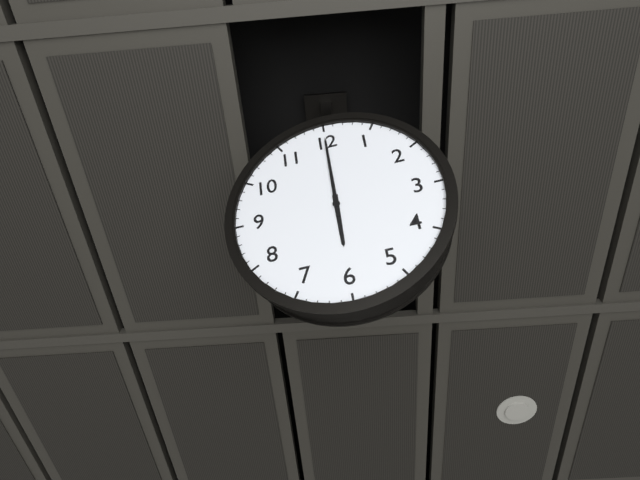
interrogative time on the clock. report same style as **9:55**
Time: **6:00**
